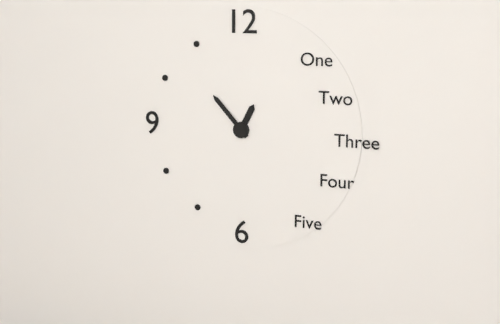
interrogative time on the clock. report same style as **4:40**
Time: **12:53**
